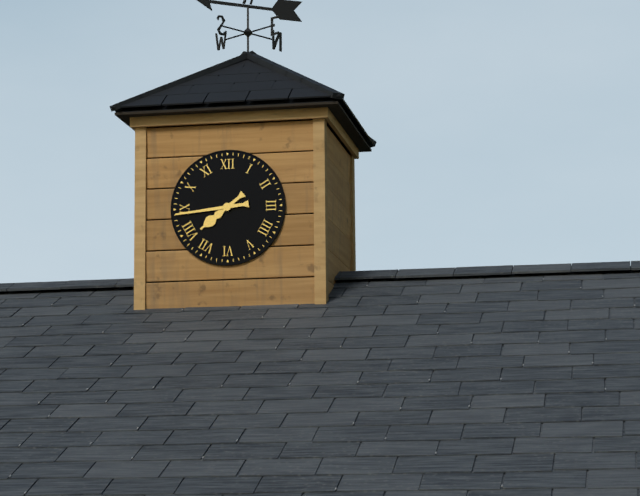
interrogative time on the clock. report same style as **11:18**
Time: **7:44**
